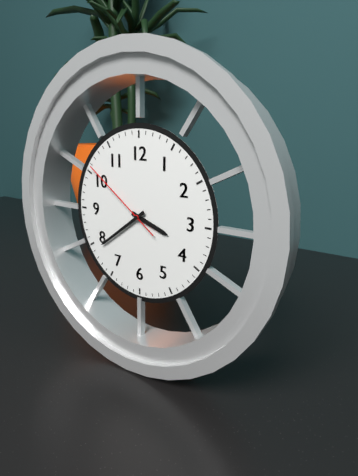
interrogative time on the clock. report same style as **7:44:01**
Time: **3:39:51**
